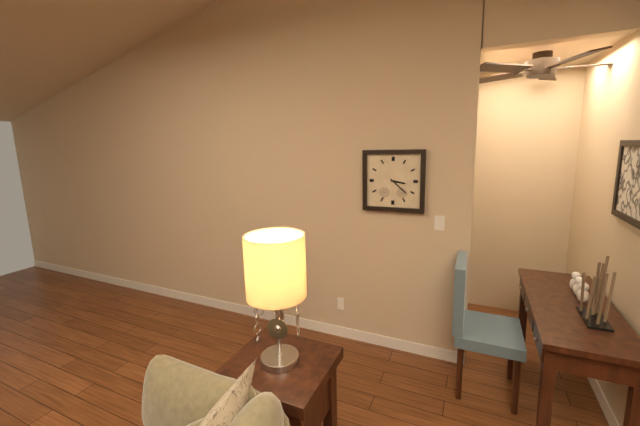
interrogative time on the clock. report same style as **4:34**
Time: **3:22**
